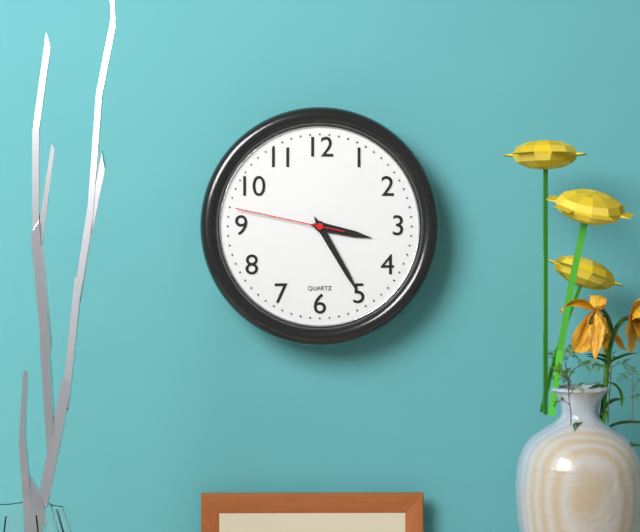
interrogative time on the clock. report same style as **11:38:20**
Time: **3:25:47**
